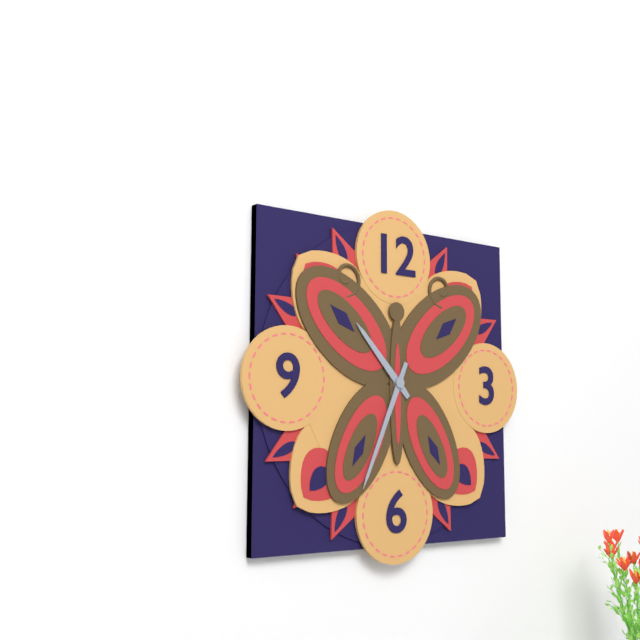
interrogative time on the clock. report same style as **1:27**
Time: **10:34**
